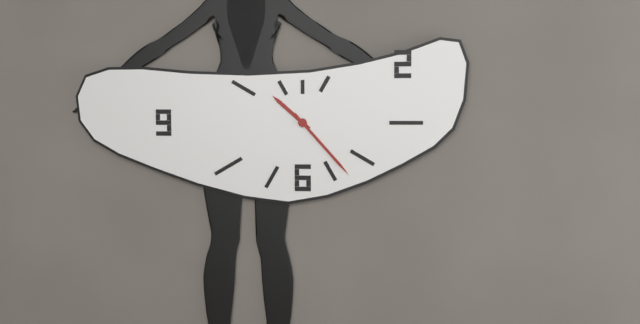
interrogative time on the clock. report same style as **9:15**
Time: **10:23**
